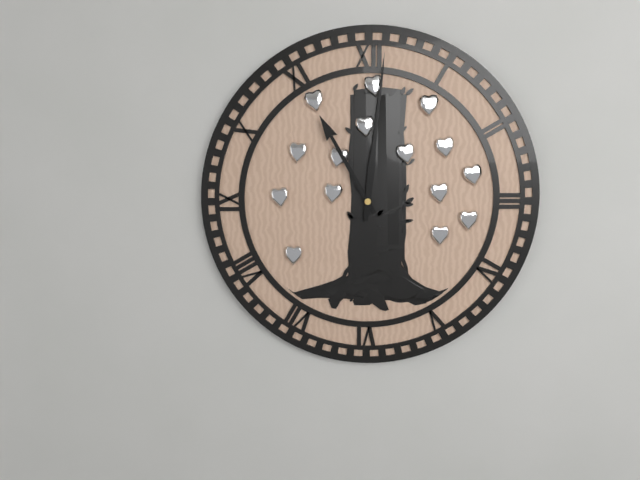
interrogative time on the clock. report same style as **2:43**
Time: **11:01**
